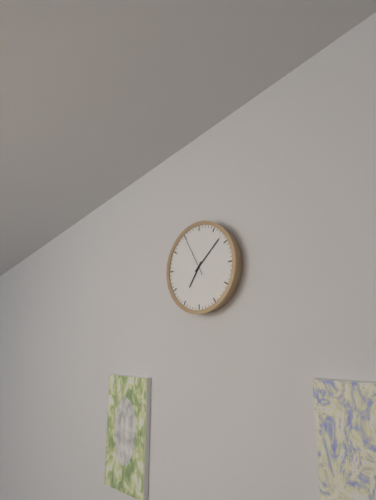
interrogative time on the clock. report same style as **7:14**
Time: **7:08**
